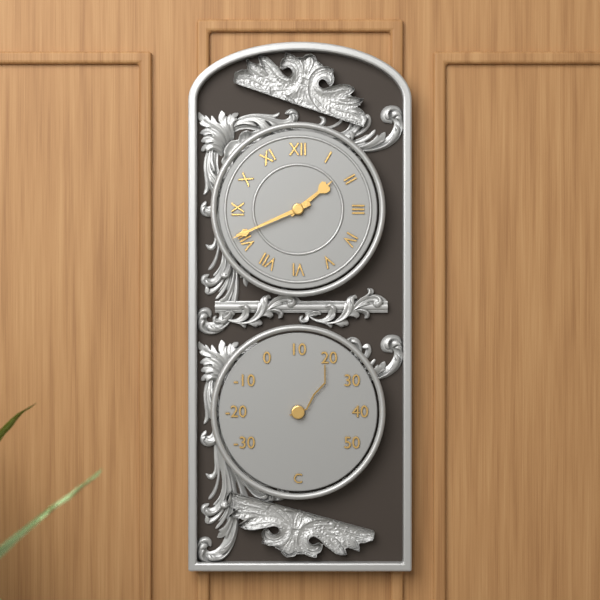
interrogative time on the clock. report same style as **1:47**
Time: **1:41**
